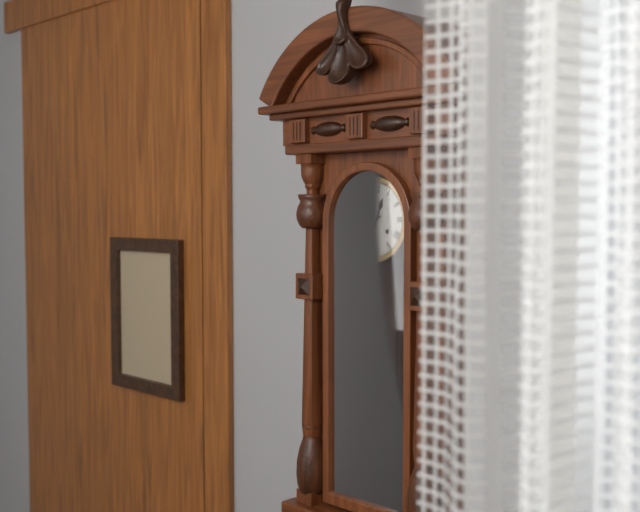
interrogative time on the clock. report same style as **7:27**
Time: **12:40**
